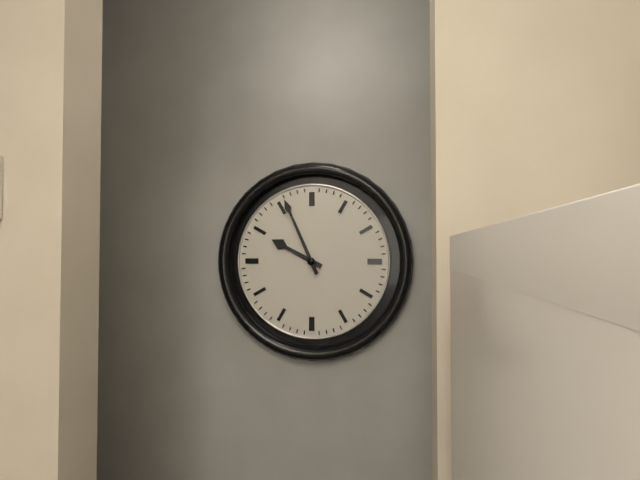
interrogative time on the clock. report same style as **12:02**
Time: **9:56**
